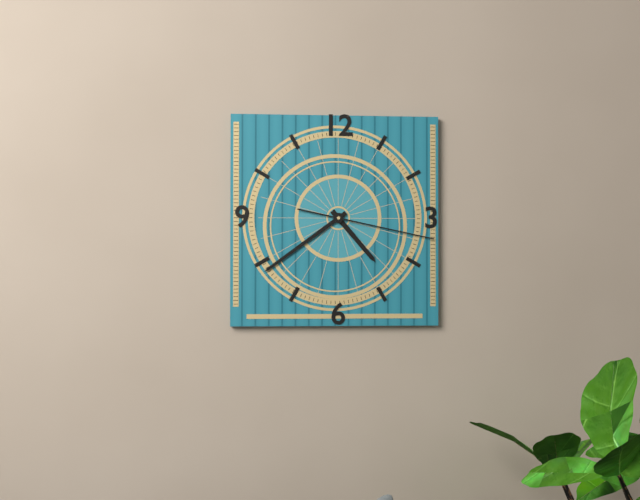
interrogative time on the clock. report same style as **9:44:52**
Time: **4:39:17**
